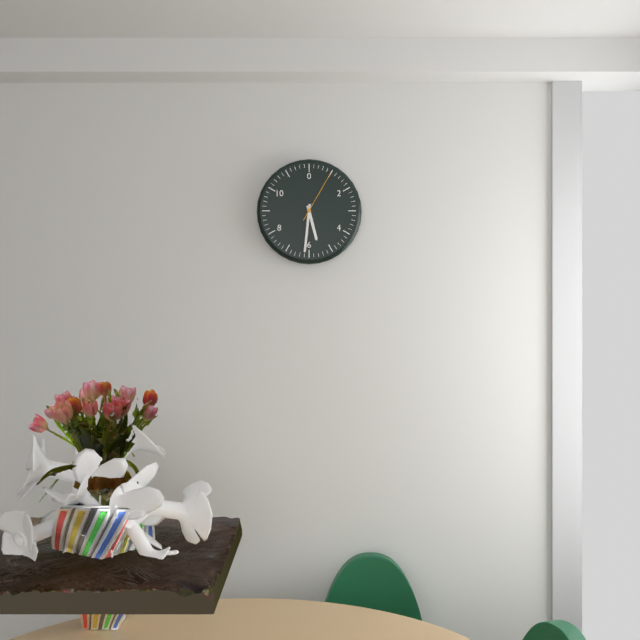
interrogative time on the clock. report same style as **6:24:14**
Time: **5:31:05**
